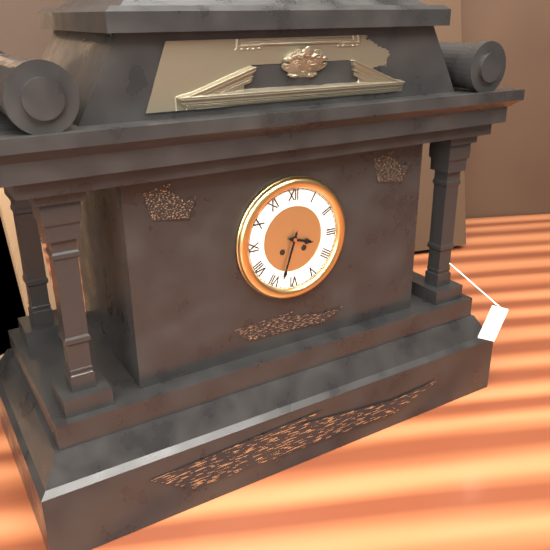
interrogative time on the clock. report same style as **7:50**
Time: **3:33**
